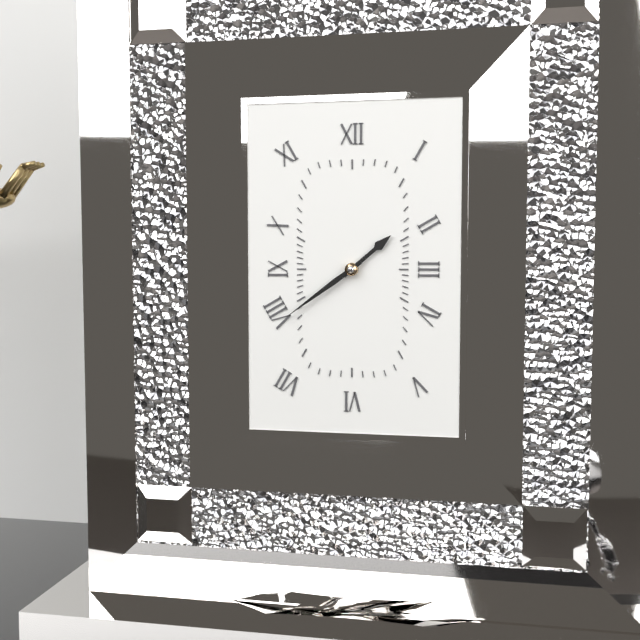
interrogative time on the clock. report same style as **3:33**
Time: **1:39**
